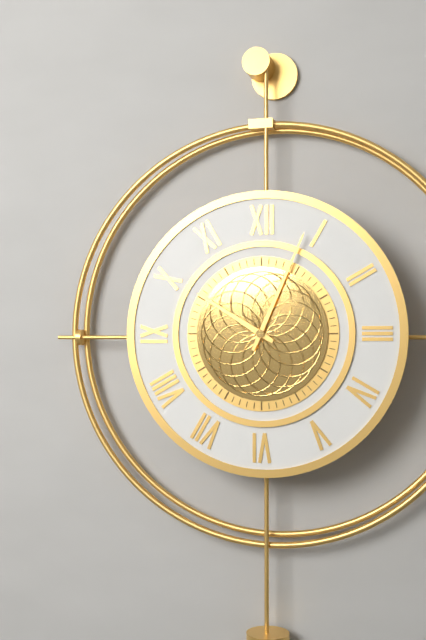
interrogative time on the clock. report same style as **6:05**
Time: **10:04**
